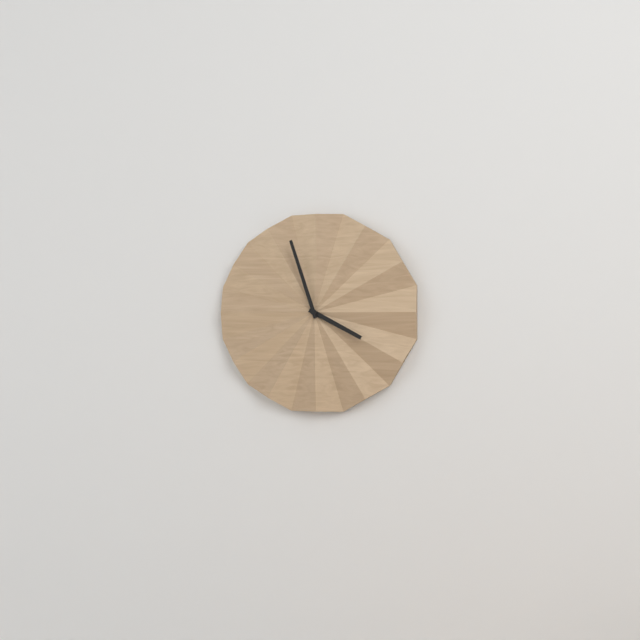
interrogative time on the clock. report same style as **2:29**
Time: **3:57**
